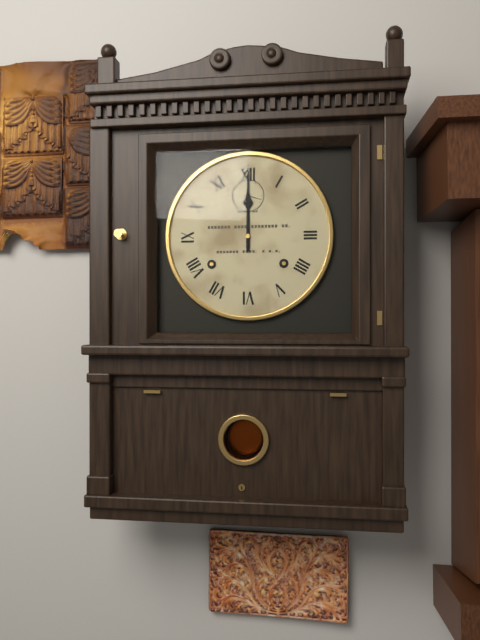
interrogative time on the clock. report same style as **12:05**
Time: **12:00**
